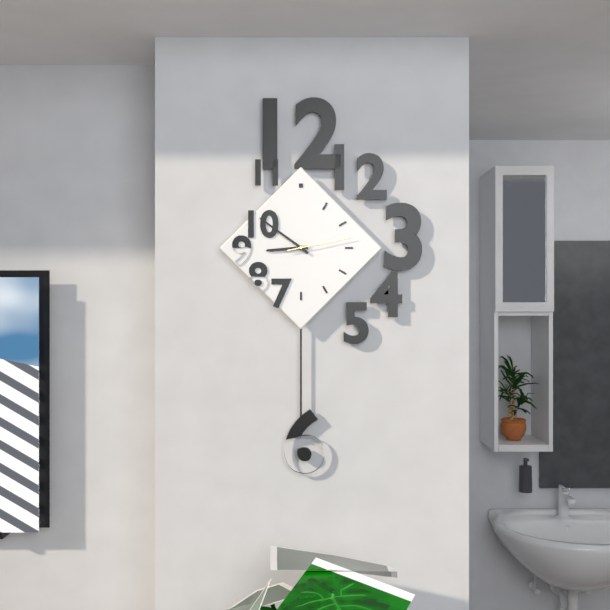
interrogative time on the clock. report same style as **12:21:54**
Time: **8:51:13**
